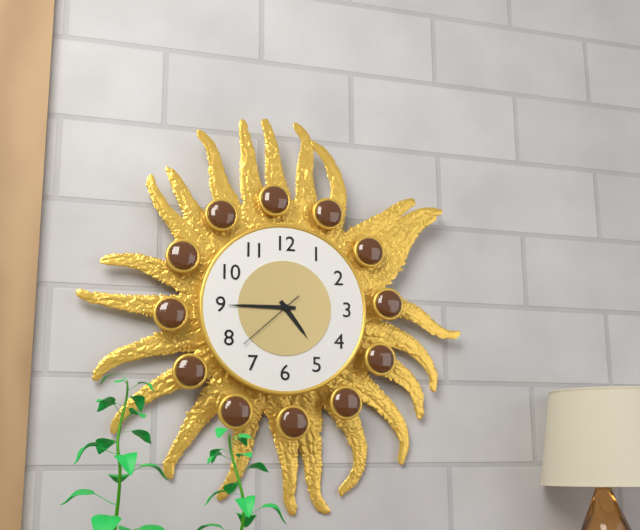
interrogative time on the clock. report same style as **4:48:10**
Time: **4:45:38**
